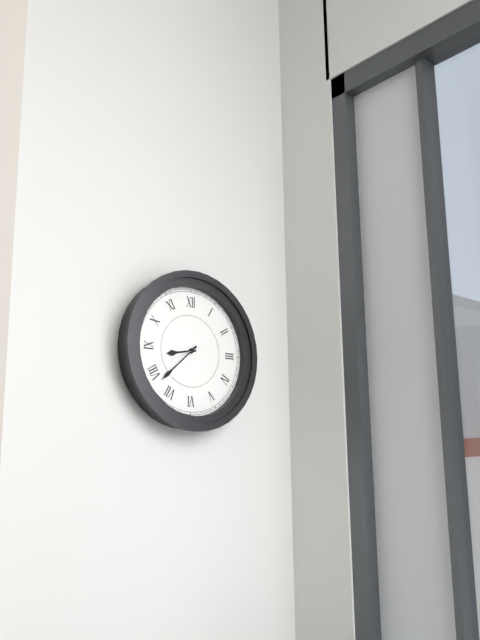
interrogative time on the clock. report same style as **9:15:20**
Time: **8:38:41**
